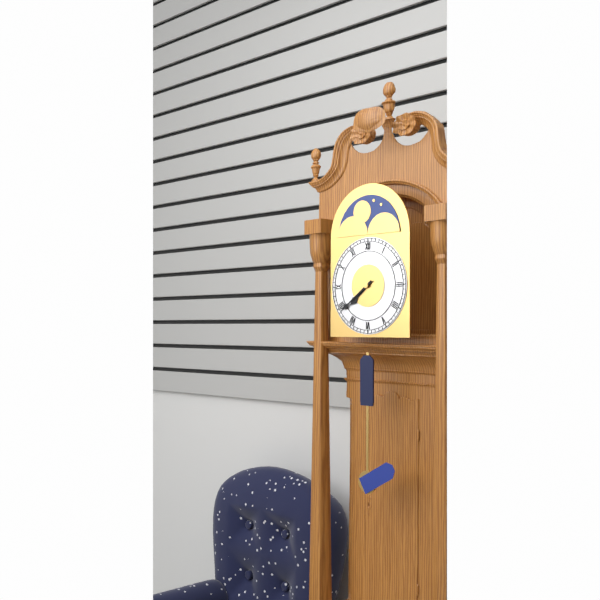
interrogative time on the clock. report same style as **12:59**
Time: **7:39**
